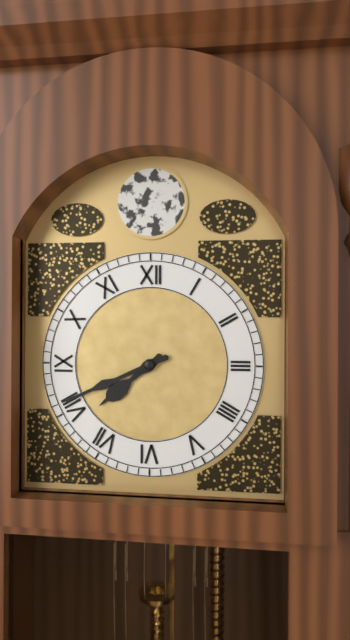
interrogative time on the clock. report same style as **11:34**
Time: **7:41**
